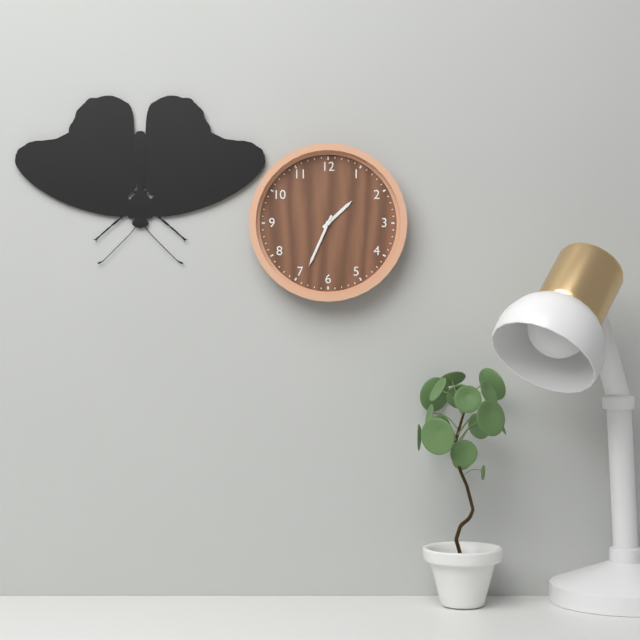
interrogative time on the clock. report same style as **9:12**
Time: **1:34**
